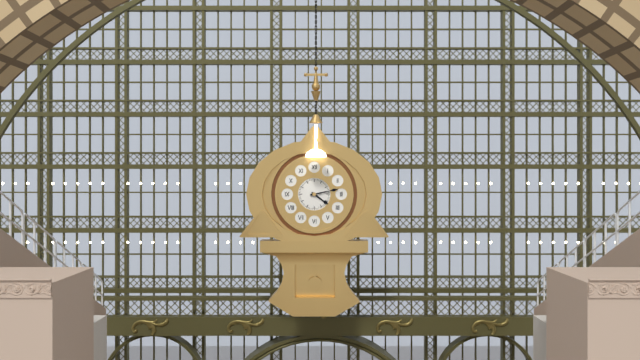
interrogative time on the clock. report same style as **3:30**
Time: **4:13**
